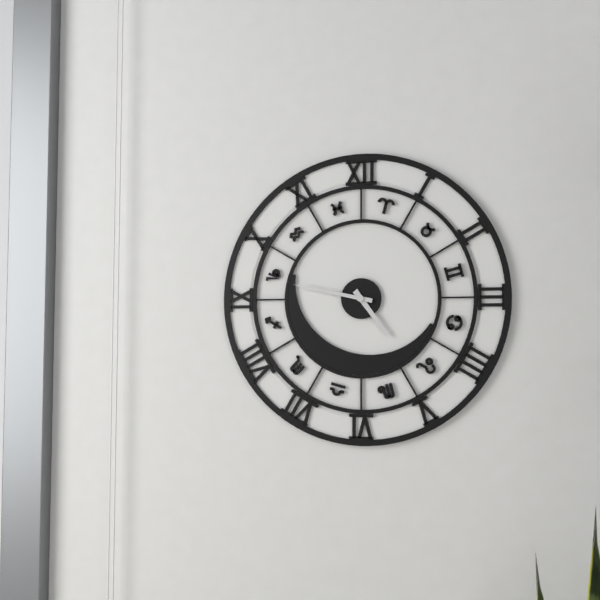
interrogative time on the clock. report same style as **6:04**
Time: **4:47**
